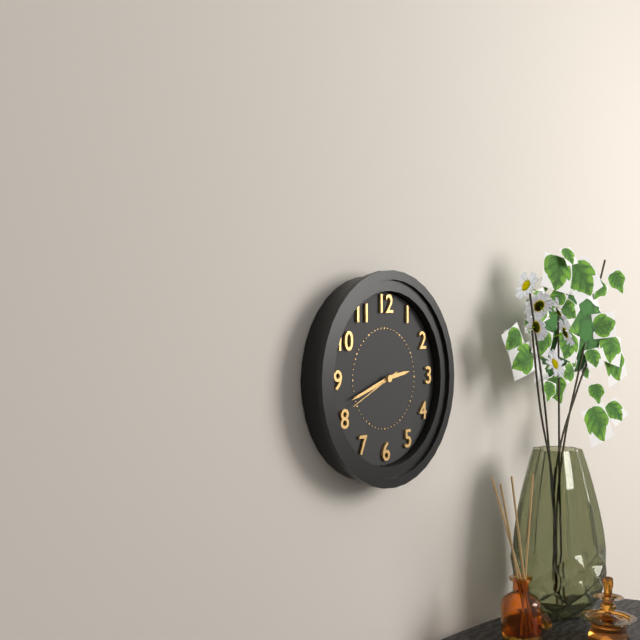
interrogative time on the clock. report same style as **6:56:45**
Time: **2:42:41**
